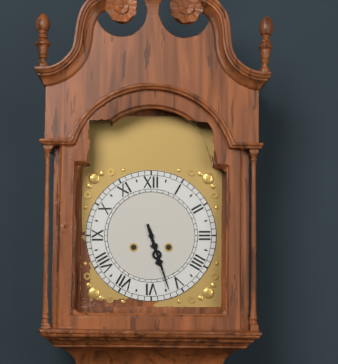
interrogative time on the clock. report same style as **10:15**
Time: **5:27**
